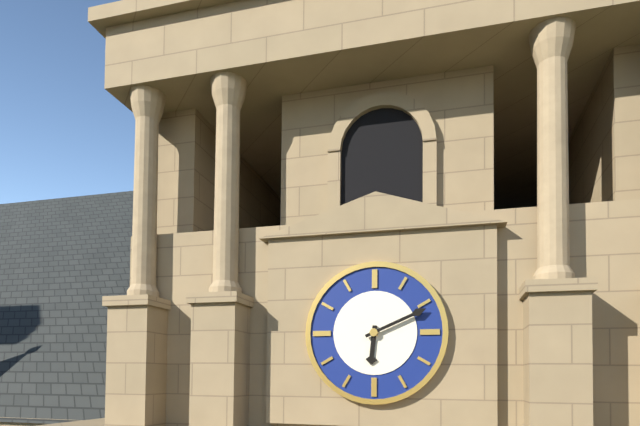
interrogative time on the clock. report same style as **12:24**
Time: **6:11**
